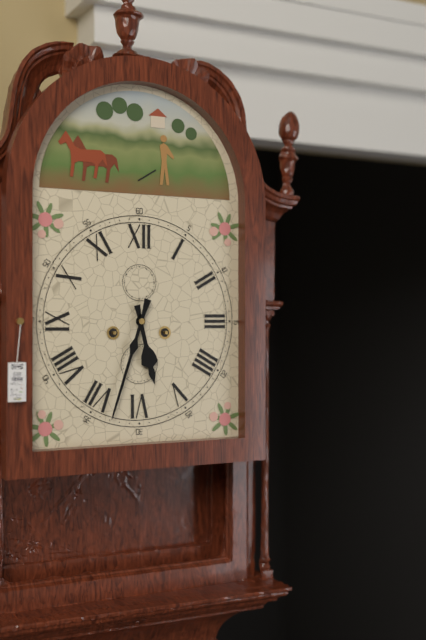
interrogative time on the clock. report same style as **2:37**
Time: **5:33**
